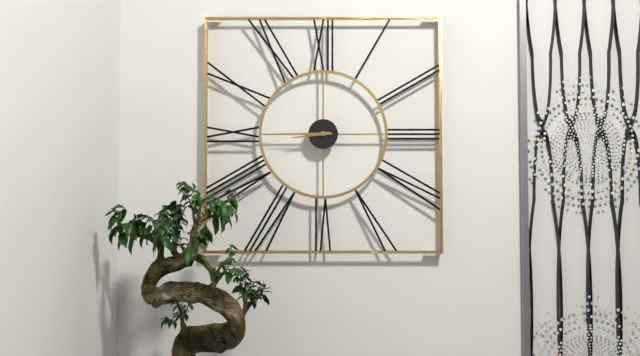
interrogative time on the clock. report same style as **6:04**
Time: **8:45**
